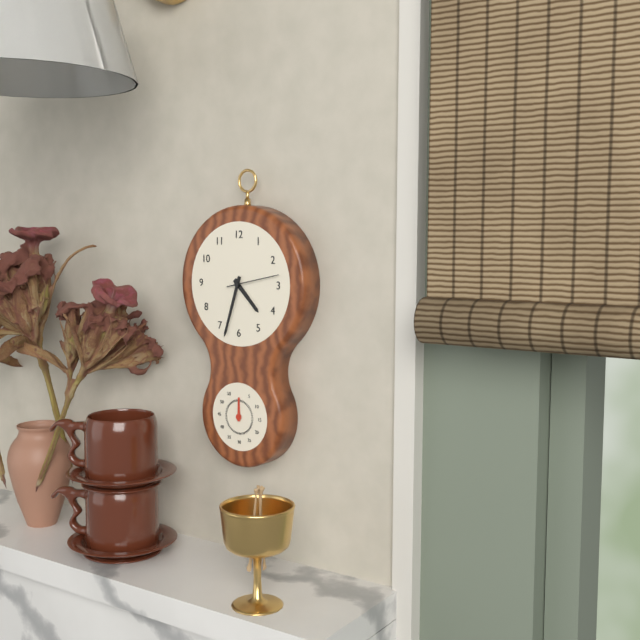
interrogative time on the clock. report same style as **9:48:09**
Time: **4:33:13**
